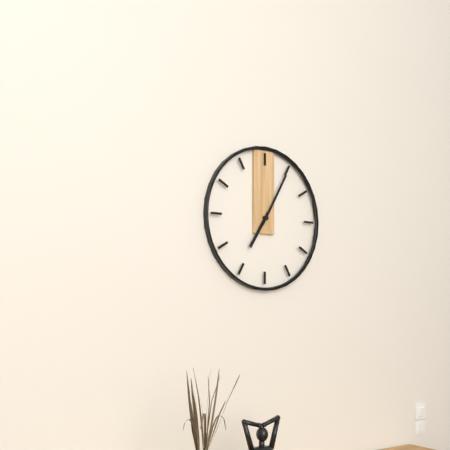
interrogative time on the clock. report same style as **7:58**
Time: **7:05**
